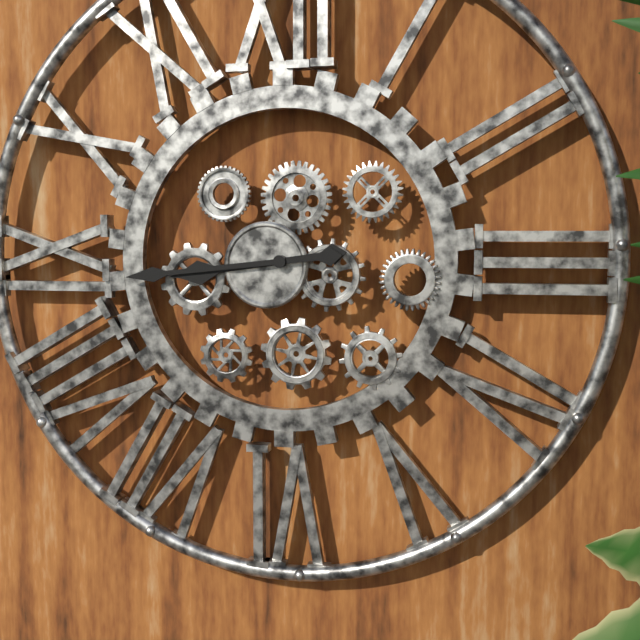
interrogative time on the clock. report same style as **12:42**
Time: **8:44**
